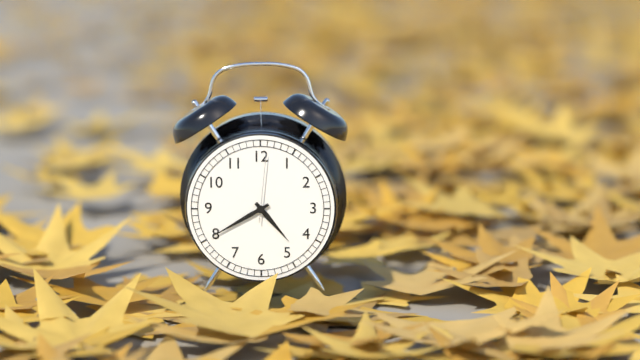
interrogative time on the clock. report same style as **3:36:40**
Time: **4:40:01**
